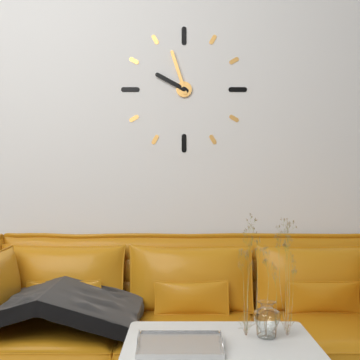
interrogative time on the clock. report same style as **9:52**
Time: **9:57**
